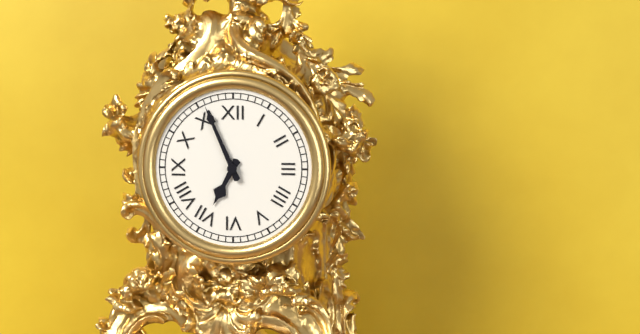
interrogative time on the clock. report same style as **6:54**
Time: **6:56**
